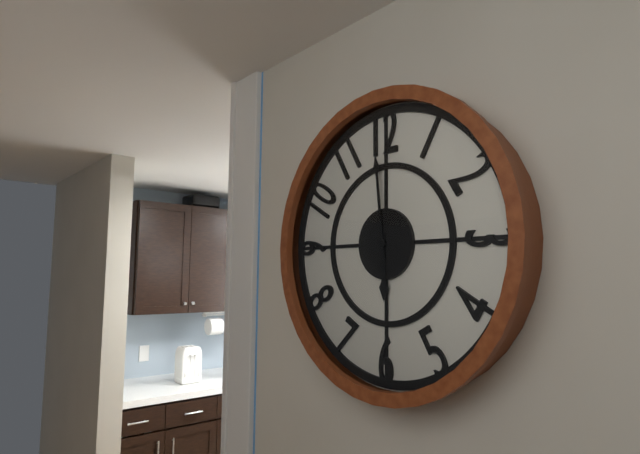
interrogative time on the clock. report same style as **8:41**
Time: **5:59**
